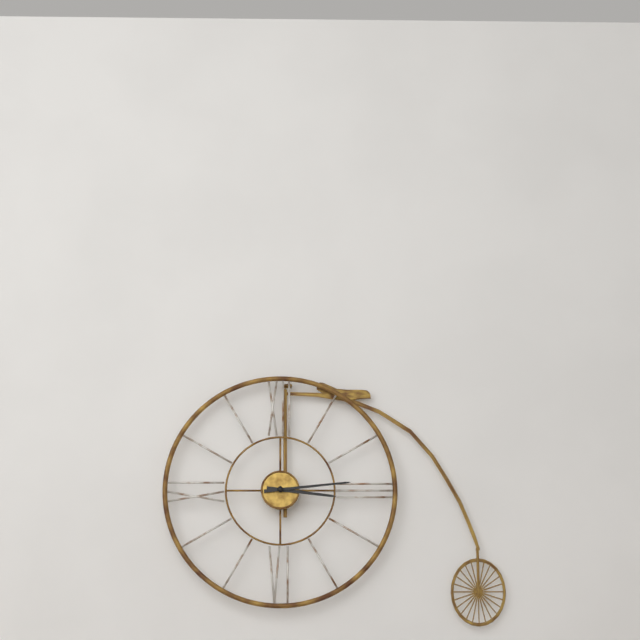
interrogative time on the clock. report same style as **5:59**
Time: **3:14**
